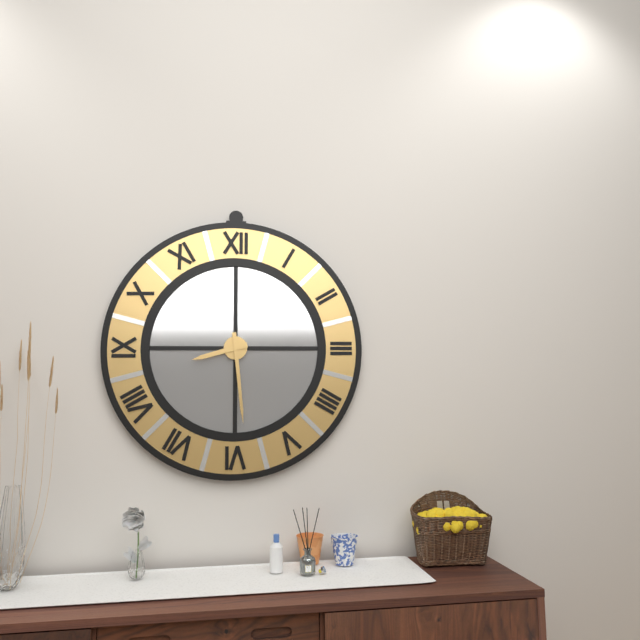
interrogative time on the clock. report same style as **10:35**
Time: **8:29**
